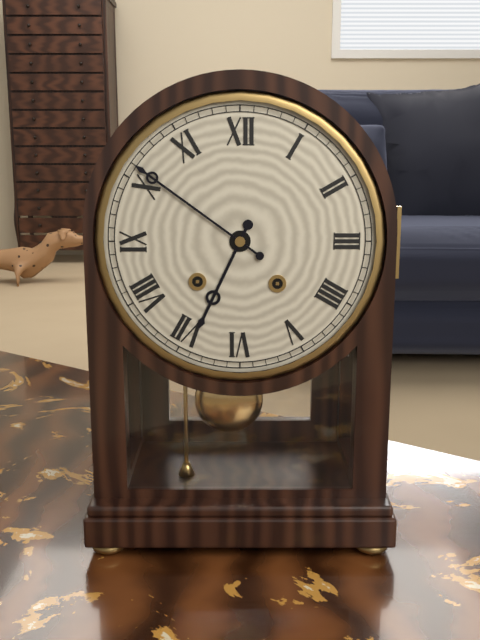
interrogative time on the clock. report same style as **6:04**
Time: **6:51**
